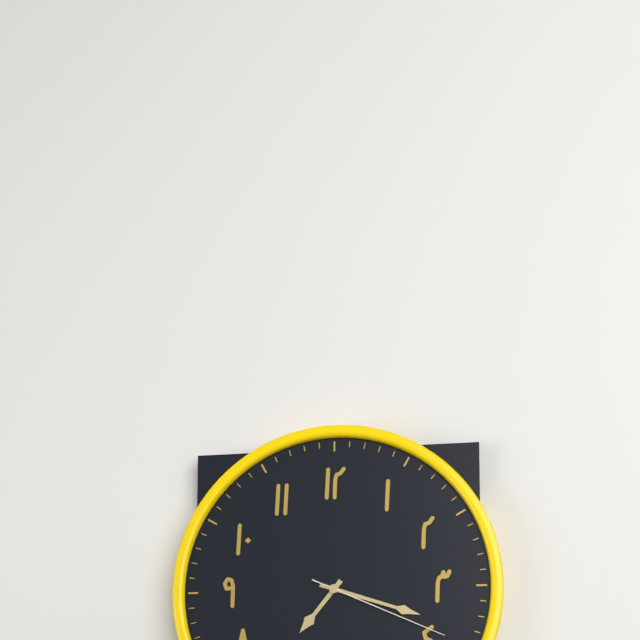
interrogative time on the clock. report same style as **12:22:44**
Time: **7:18:19**
